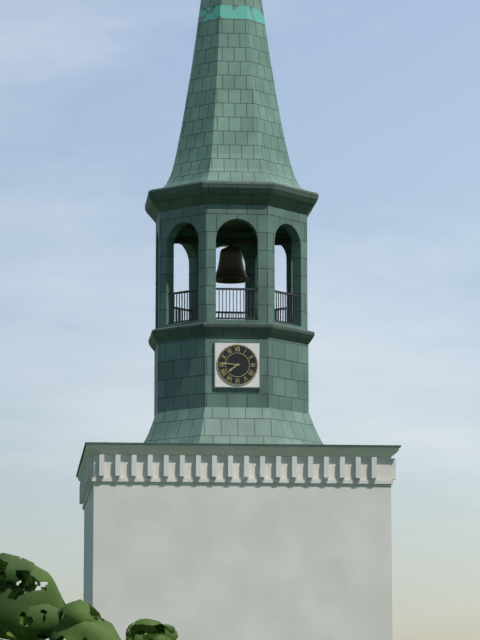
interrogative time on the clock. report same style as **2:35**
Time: **7:46**
